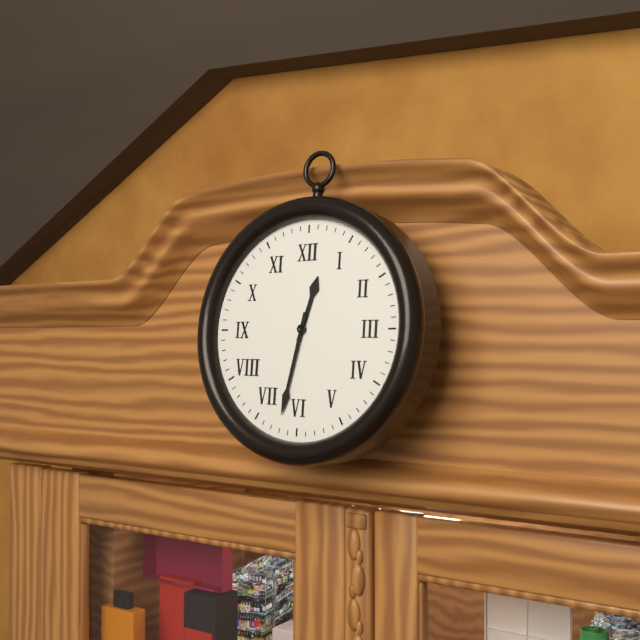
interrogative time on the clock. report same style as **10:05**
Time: **12:32**
